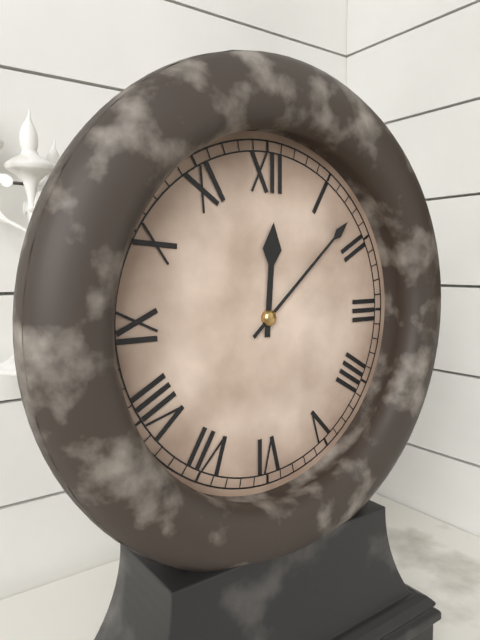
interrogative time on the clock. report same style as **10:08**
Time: **12:08**
